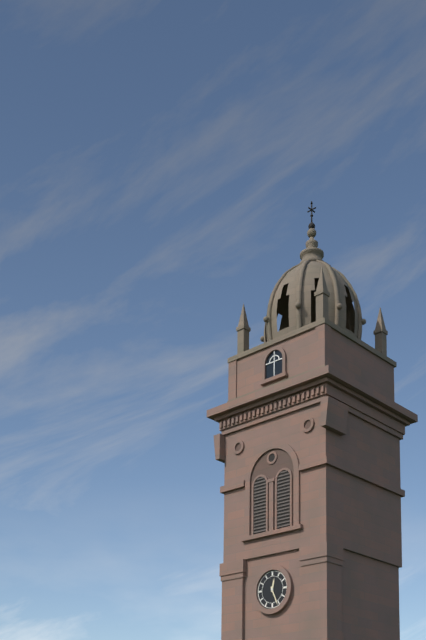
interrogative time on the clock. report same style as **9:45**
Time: **12:26**
